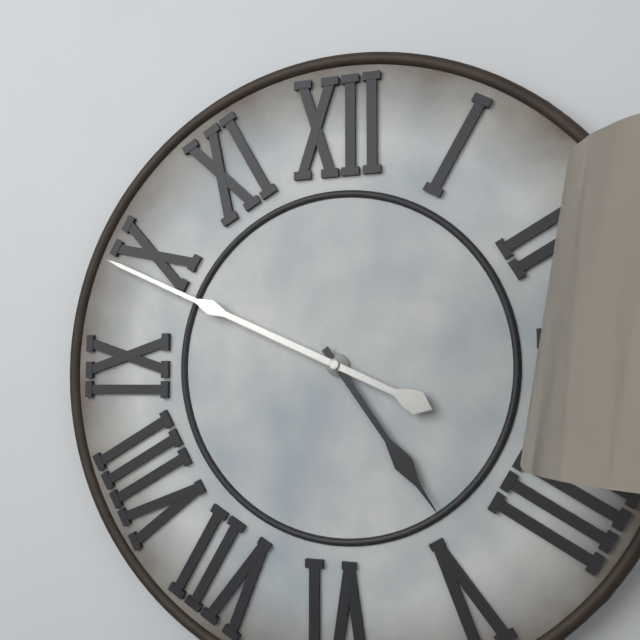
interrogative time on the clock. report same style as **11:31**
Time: **4:49**
